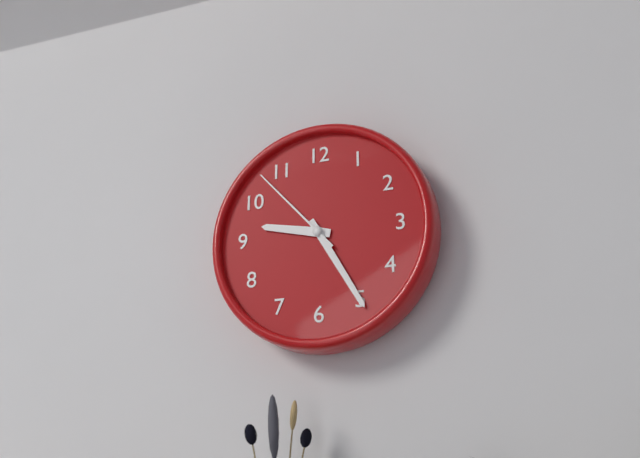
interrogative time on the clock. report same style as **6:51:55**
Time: **9:25:53**
